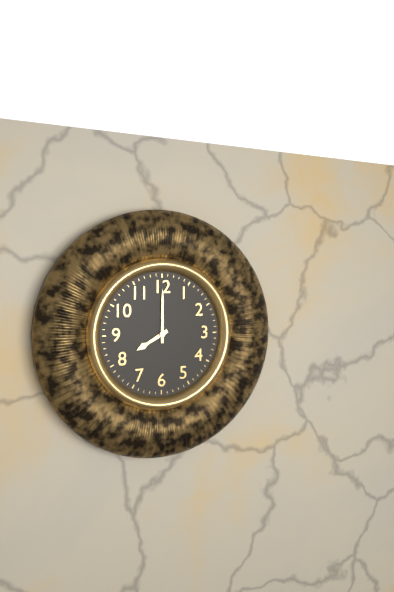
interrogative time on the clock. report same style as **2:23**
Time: **8:00**
